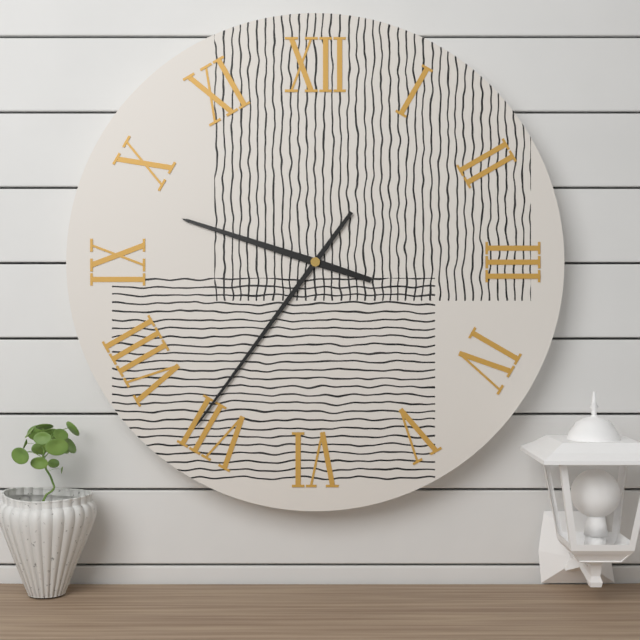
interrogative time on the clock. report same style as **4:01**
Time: **9:36**
